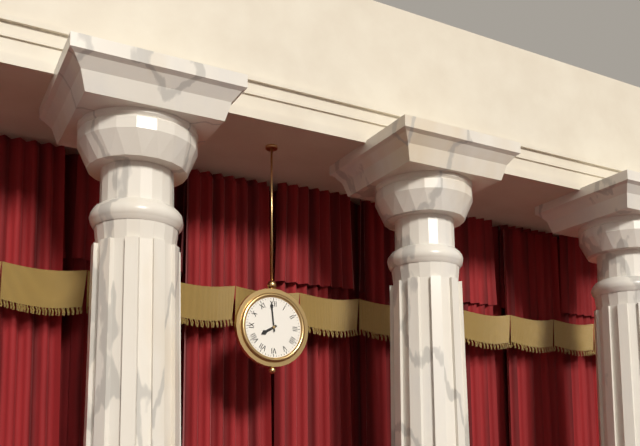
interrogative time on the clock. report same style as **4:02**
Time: **7:59**
